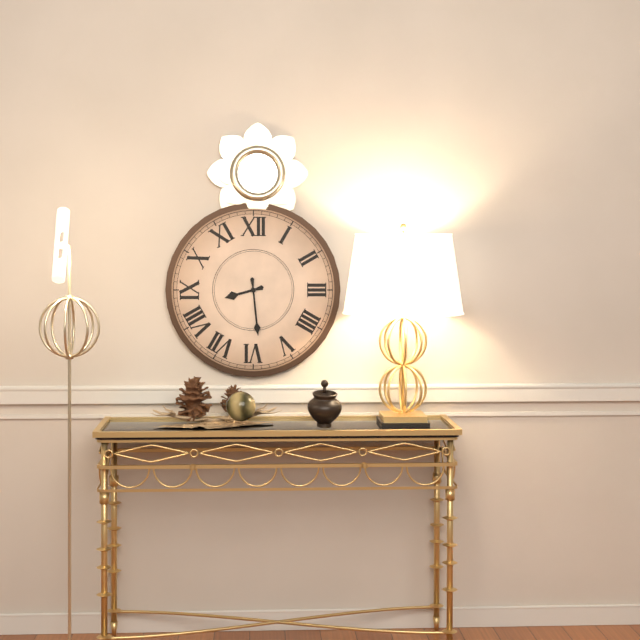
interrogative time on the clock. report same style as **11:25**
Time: **8:29**
